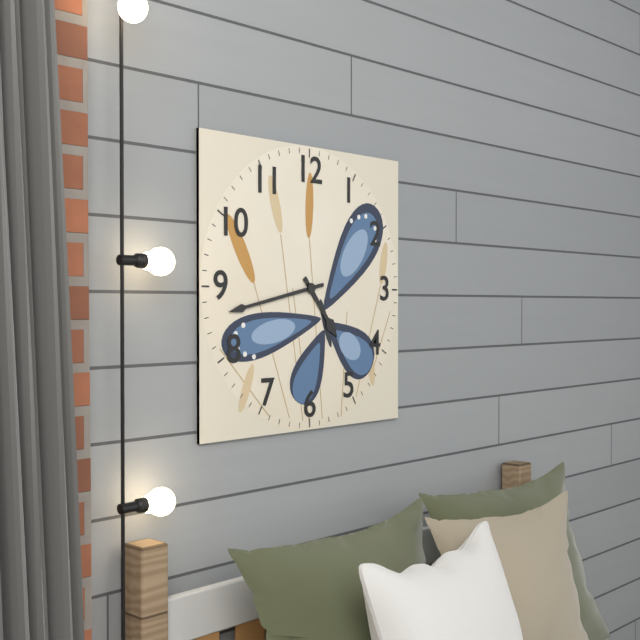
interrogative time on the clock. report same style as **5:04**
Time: **4:43**
